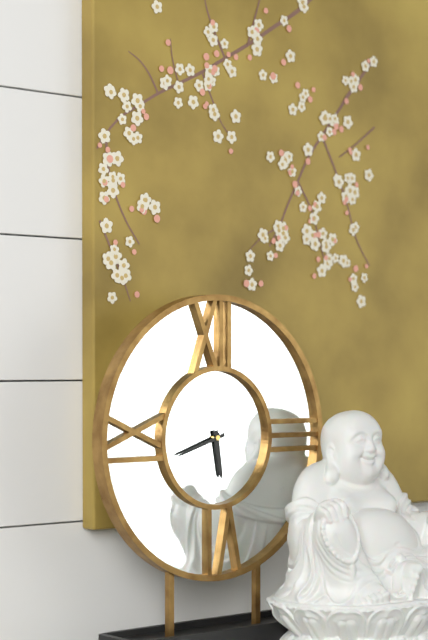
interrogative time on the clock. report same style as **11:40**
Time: **5:42**
